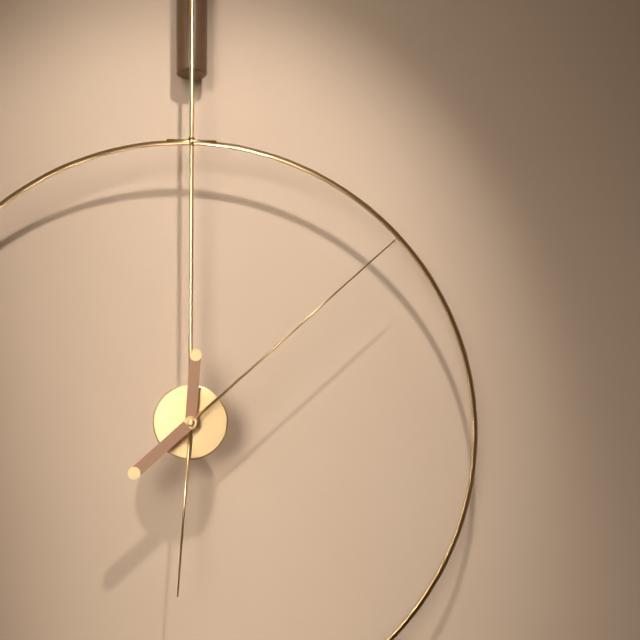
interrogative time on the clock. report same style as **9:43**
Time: **6:08**
